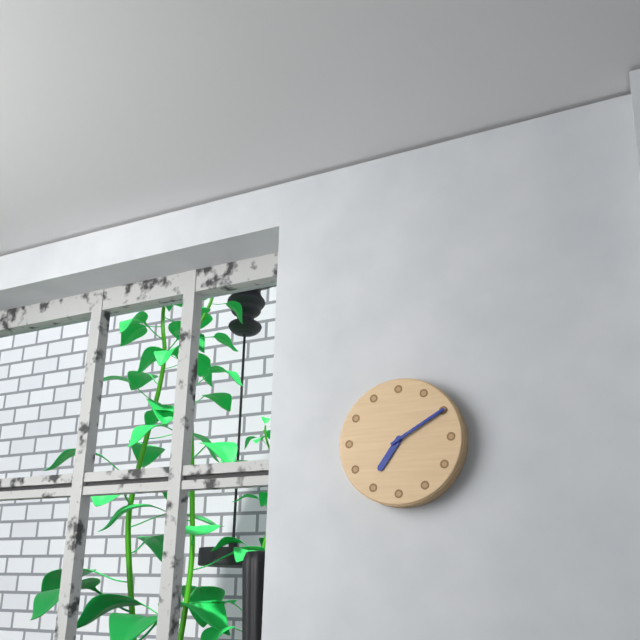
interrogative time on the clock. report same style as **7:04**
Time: **7:10**
